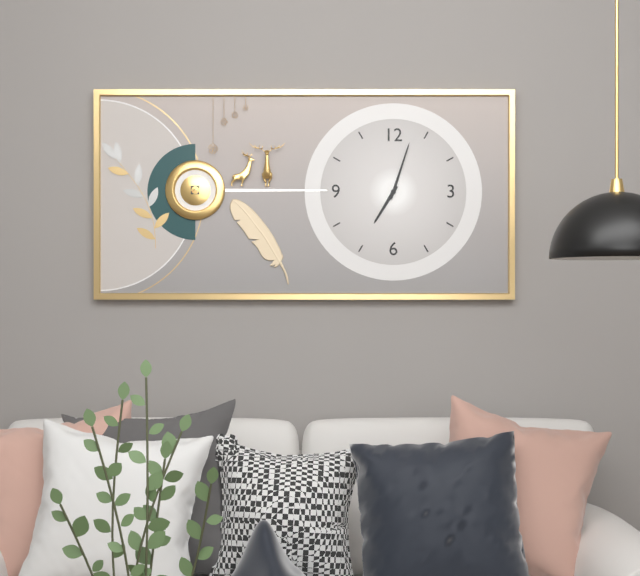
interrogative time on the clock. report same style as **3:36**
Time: **7:03**
